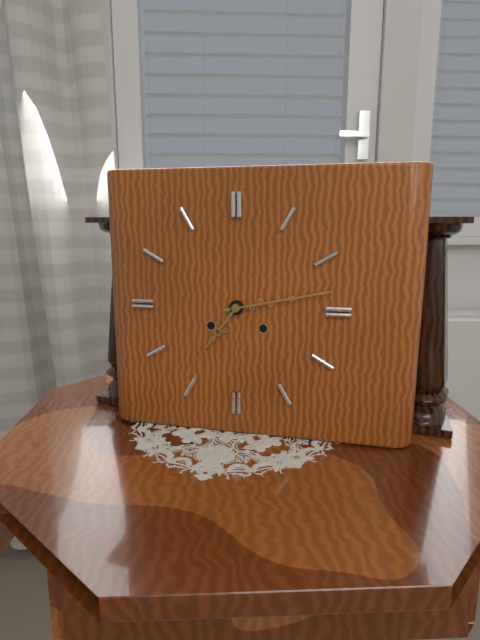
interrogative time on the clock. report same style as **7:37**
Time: **7:13**
